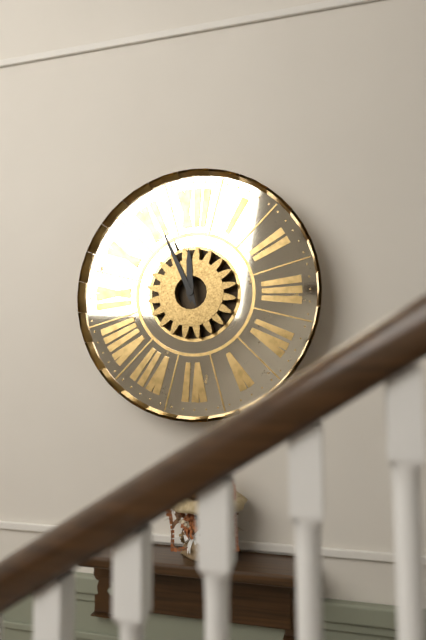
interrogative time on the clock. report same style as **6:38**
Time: **11:56**
